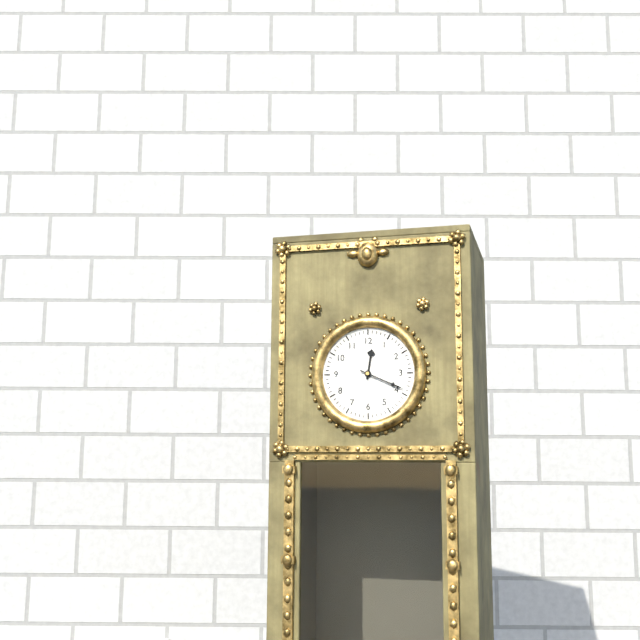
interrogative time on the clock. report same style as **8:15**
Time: **12:19**
